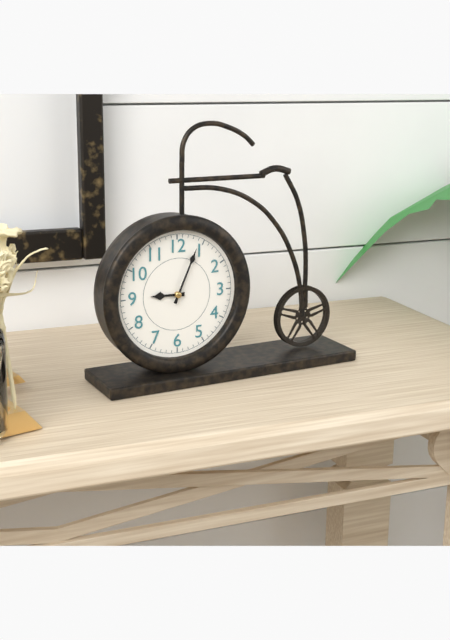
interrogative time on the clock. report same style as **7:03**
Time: **9:04**
